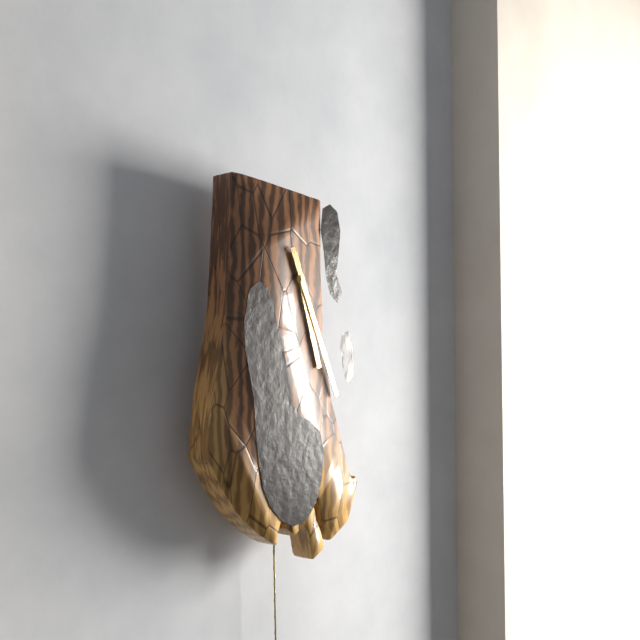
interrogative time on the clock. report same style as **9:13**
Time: **5:26**
